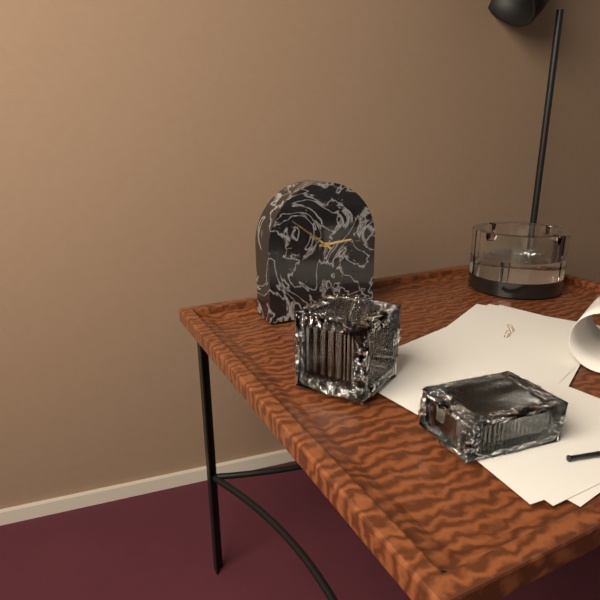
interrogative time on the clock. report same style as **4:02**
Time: **2:51**
